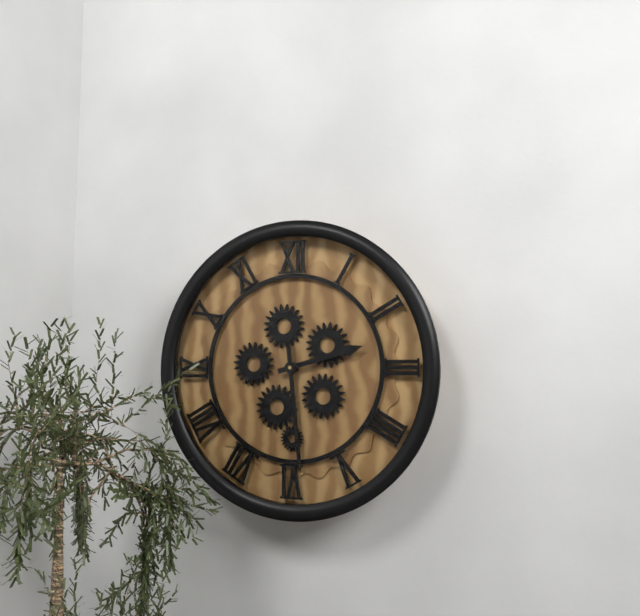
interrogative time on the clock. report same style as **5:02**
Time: **2:29**
